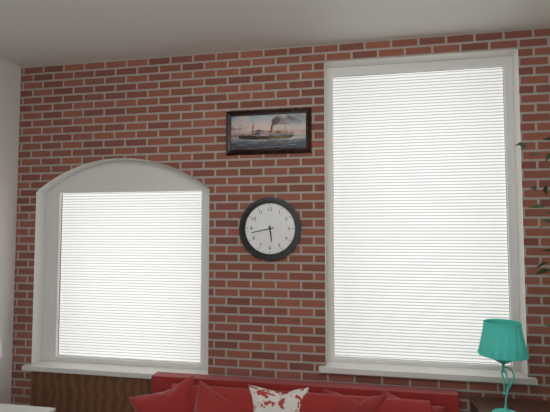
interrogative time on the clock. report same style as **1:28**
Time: **5:43**
